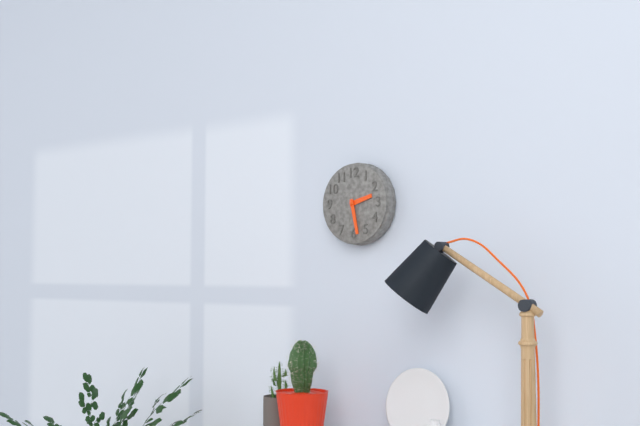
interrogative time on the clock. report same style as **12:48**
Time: **2:28**
